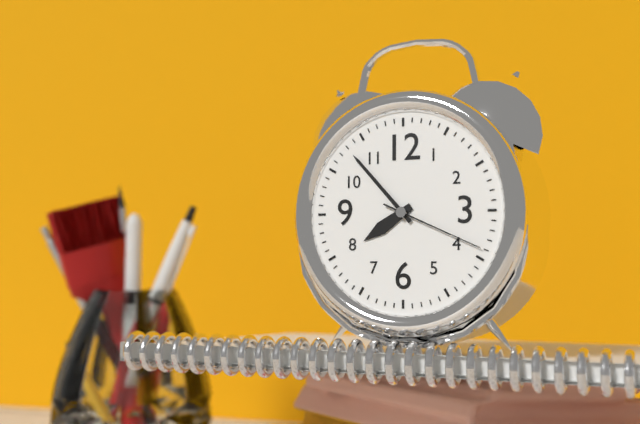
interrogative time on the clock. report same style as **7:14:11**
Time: **7:53:19**
